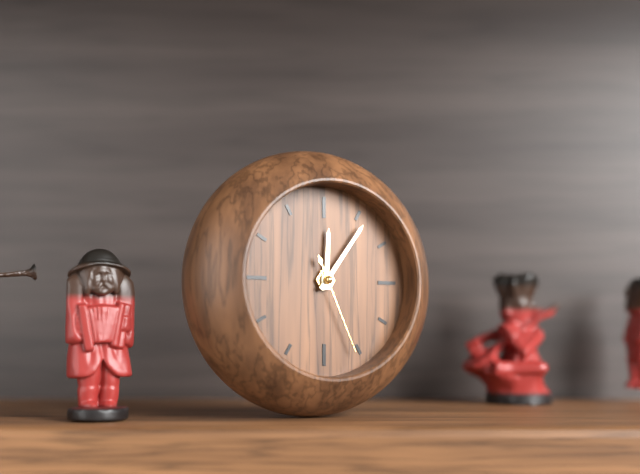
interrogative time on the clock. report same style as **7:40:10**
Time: **12:06:26**
